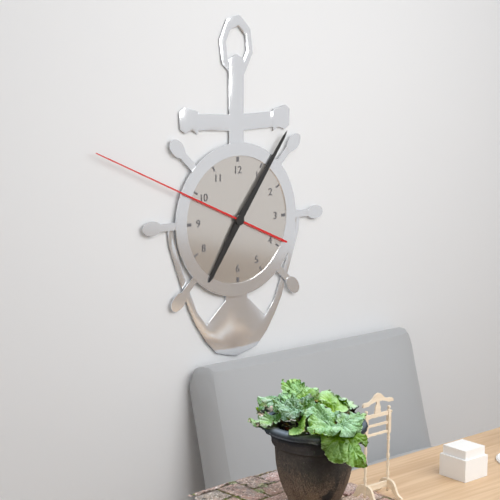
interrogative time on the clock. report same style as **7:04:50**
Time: **7:06:49**
